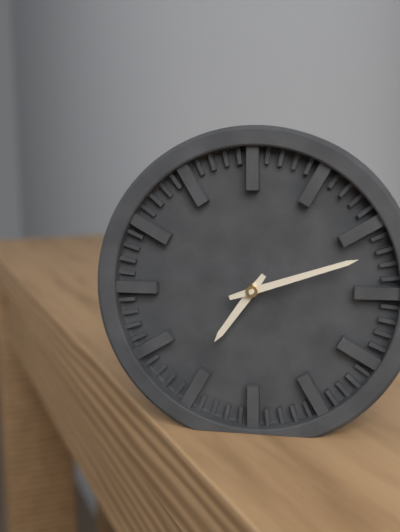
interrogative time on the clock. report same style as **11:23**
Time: **7:12**
